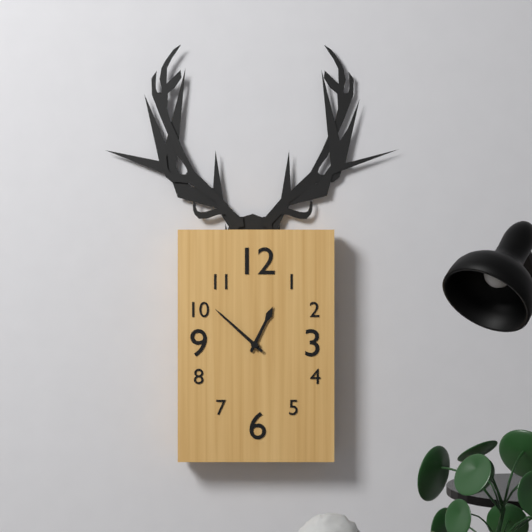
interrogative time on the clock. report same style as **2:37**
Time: **12:52**
